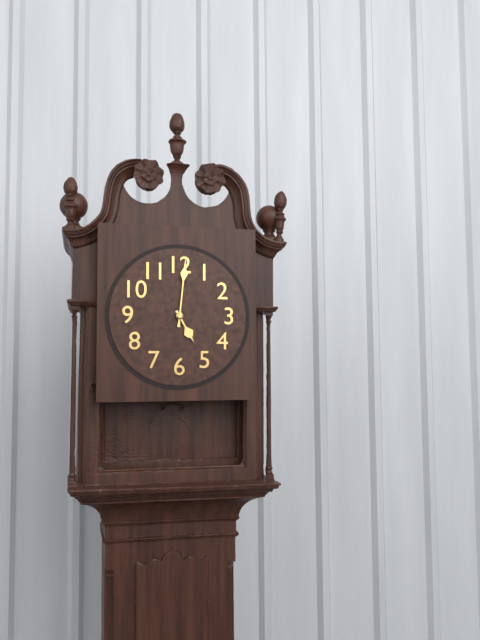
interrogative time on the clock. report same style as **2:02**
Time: **5:01**
